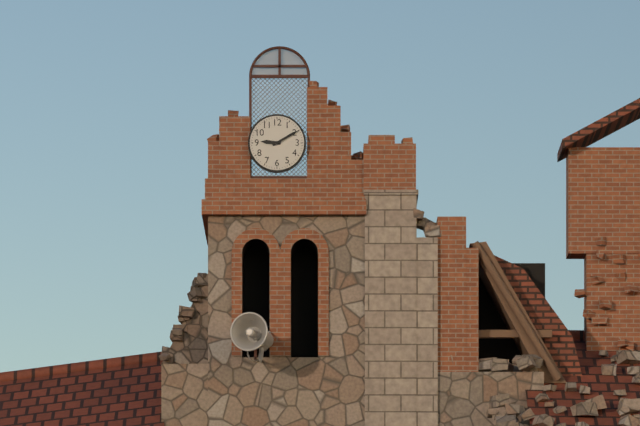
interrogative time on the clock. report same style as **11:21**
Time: **9:10**
